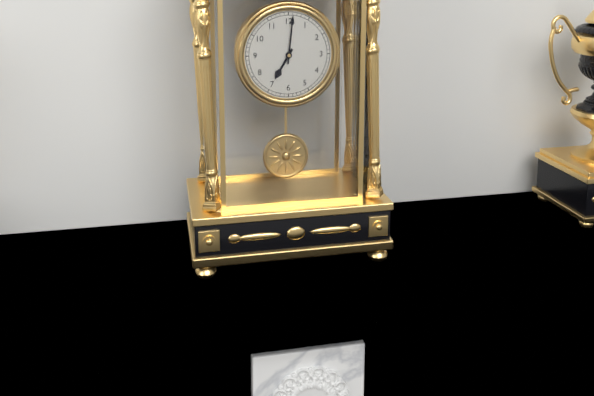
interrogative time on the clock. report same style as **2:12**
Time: **7:01**
